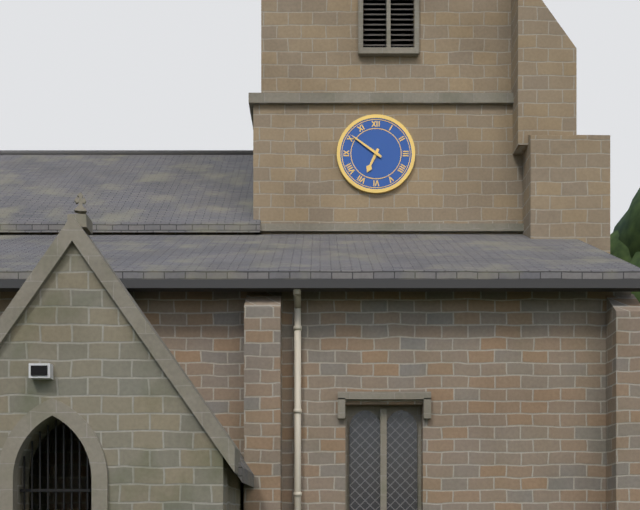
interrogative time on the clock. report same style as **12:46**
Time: **6:51**
